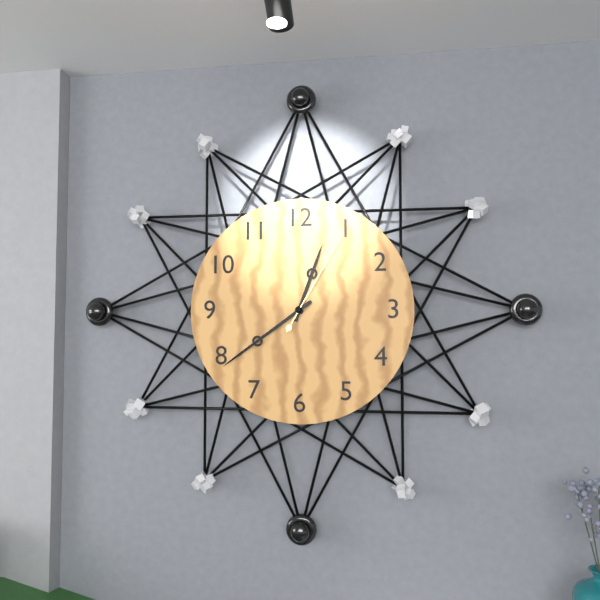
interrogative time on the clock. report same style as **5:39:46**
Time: **12:39:05**
